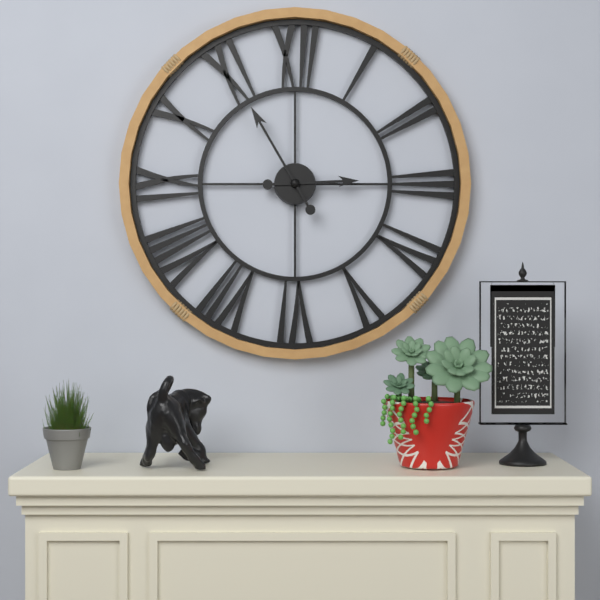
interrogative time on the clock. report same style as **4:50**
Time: **2:55**
